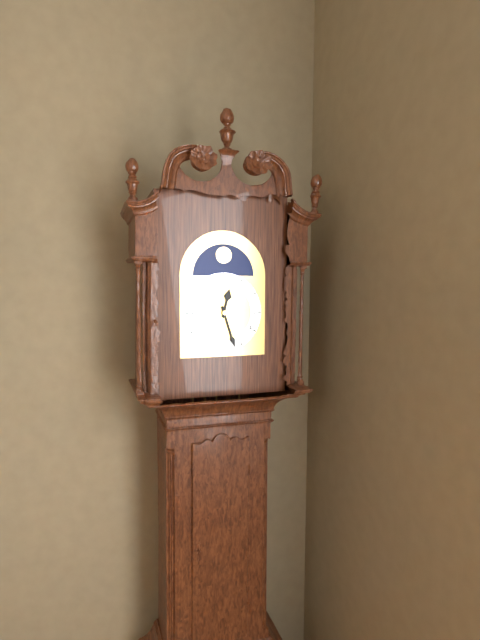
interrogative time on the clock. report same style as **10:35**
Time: **12:27**
